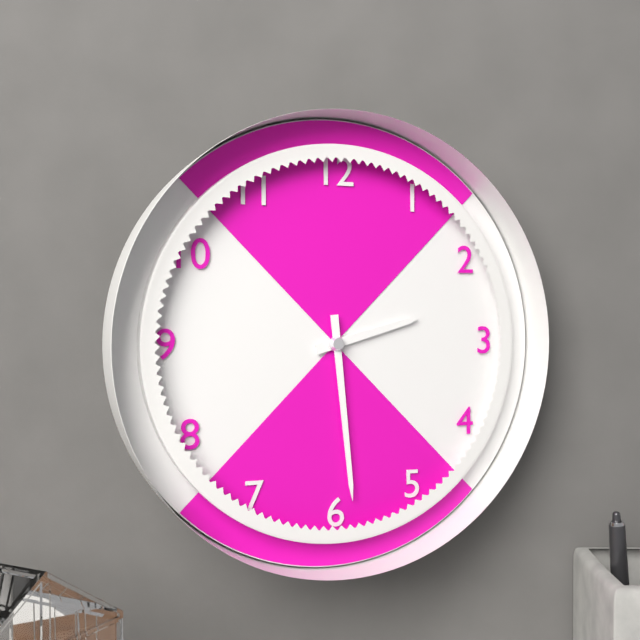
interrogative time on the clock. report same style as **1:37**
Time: **2:29**
